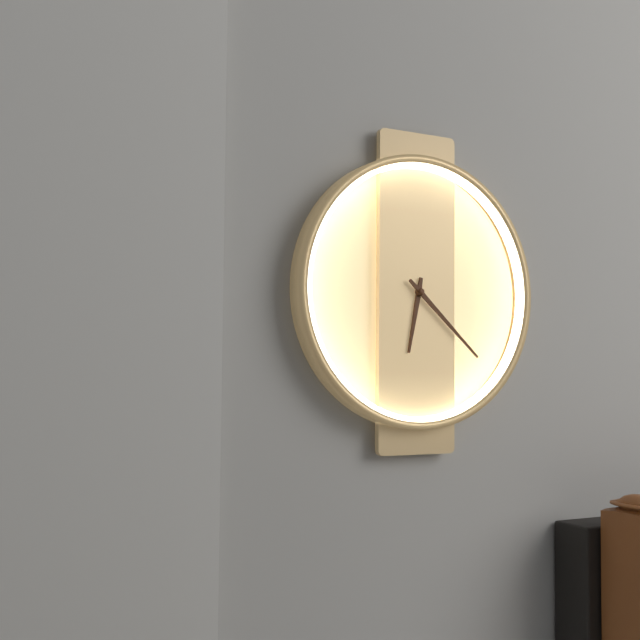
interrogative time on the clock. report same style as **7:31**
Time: **6:22**
